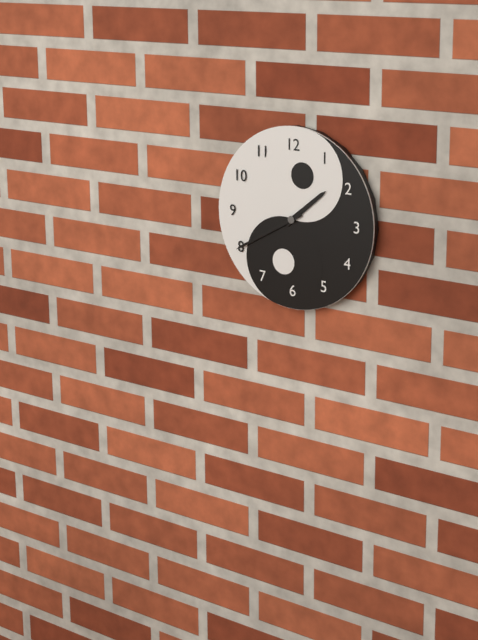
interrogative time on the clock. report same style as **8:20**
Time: **1:40**
